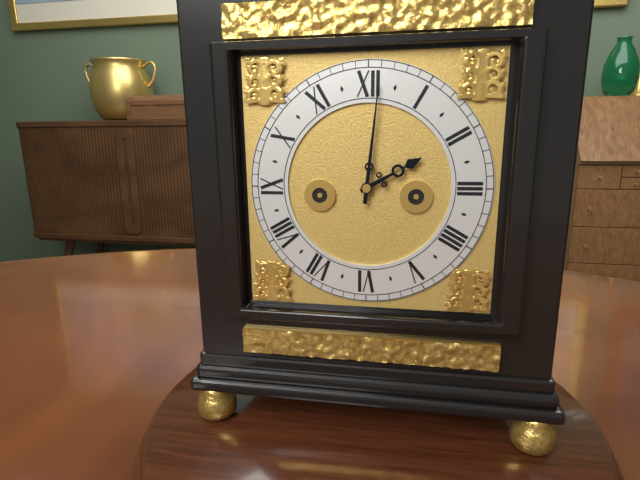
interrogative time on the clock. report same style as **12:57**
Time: **2:01**
